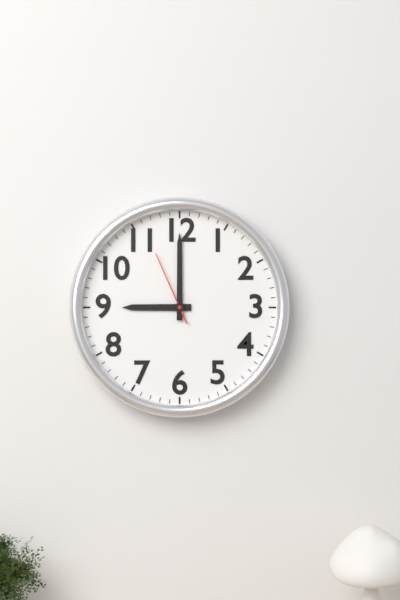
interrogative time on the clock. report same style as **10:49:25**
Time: **9:00:56**
